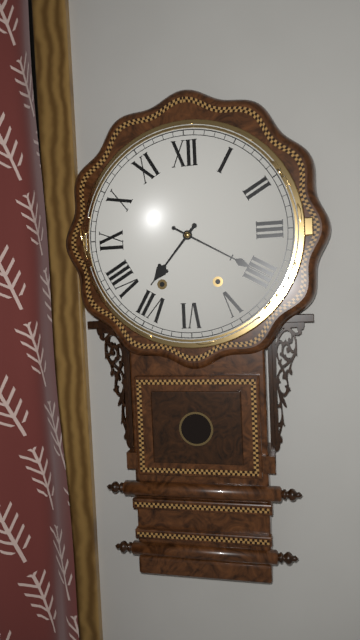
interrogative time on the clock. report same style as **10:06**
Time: **7:20**
